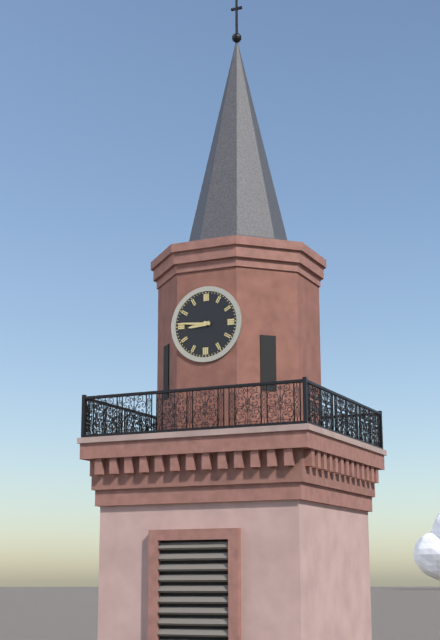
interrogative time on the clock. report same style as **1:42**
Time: **8:46**
